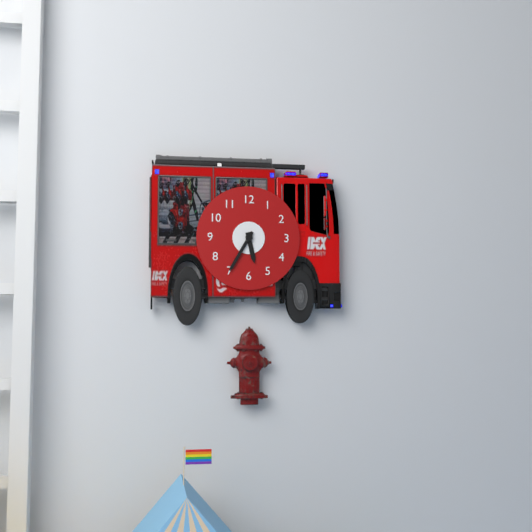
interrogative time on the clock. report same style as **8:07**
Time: **5:35**
